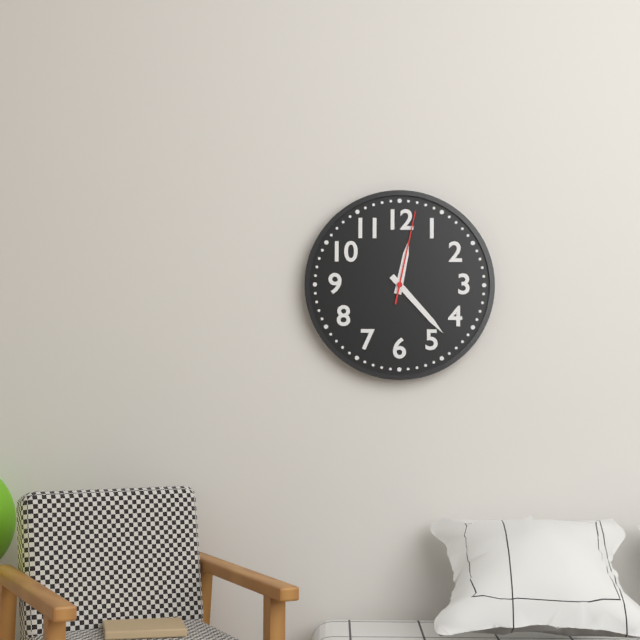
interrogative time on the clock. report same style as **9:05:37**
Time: **12:23:02**
